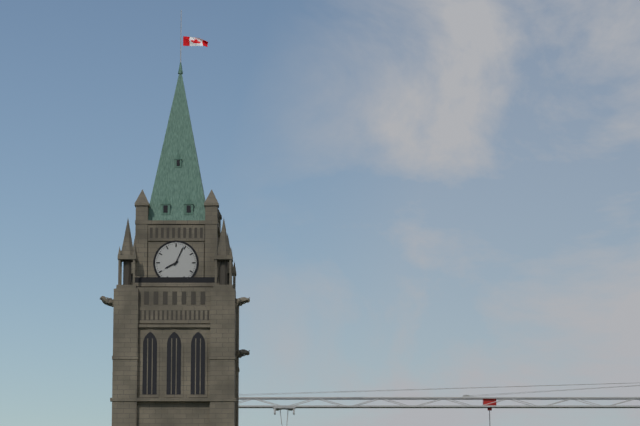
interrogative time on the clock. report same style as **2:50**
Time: **8:04**
